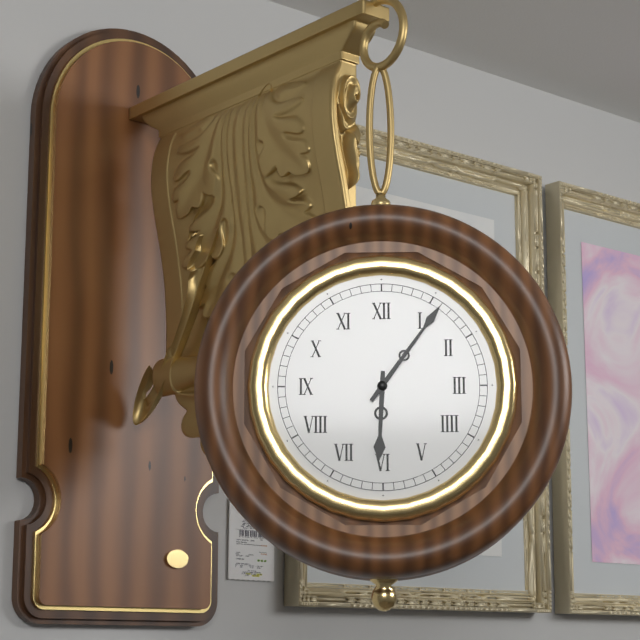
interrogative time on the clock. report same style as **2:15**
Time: **6:06**
